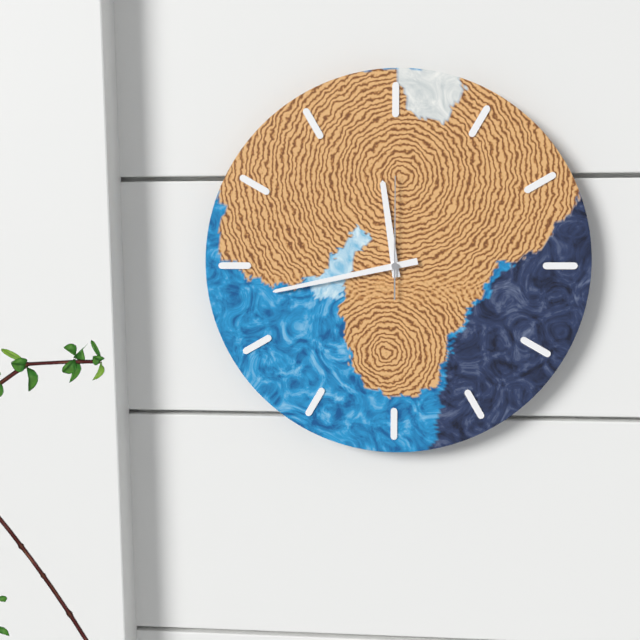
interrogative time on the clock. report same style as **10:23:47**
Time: **11:43:00**
